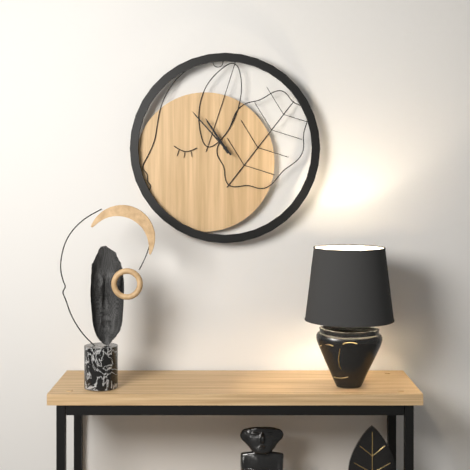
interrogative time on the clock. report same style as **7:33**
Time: **10:53**
